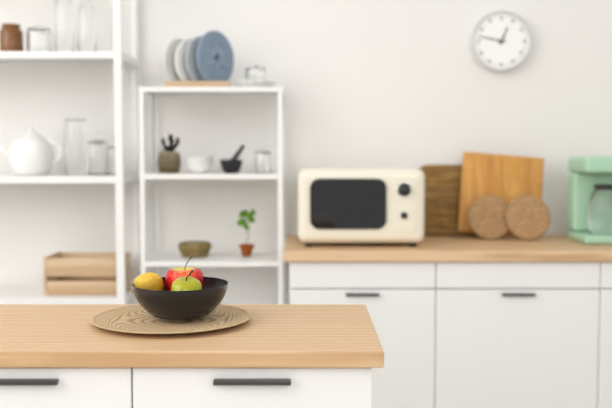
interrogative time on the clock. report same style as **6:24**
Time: **12:47**
